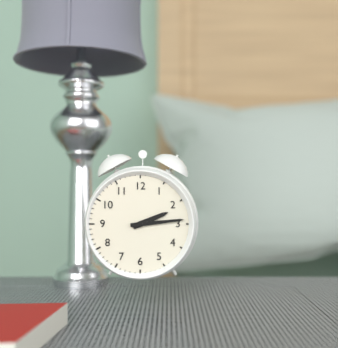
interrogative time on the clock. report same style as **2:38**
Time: **2:14**
